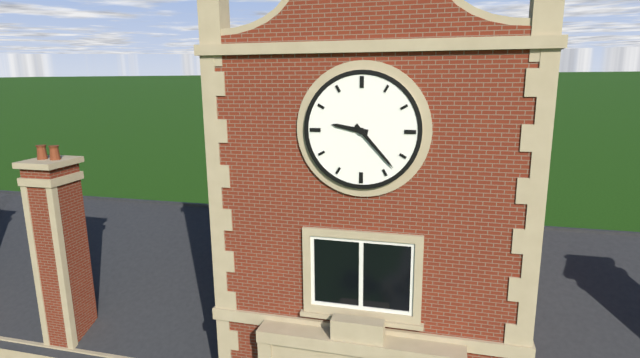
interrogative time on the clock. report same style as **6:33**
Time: **9:23**
